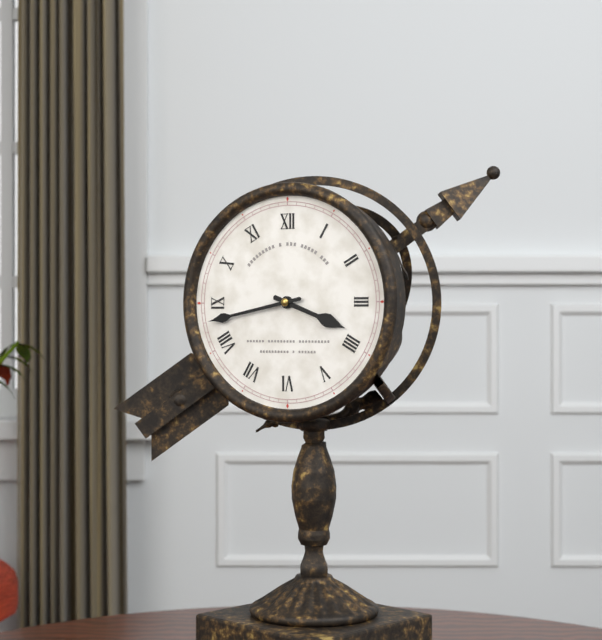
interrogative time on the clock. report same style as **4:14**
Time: **3:43**
